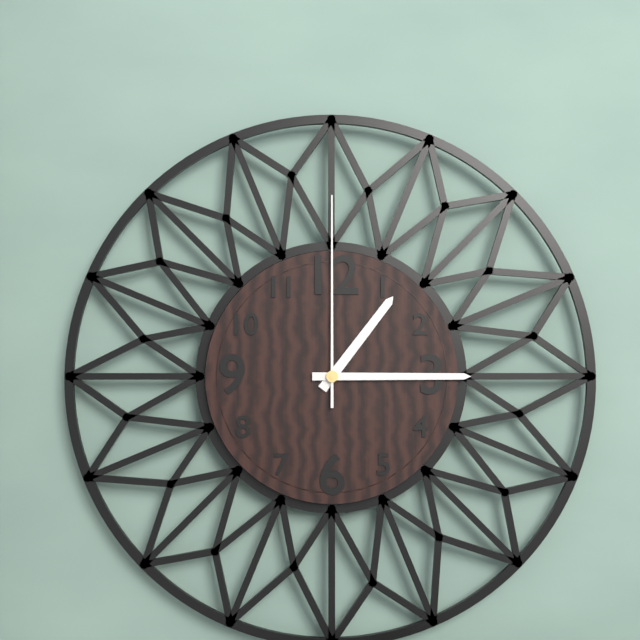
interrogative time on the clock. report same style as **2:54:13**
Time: **1:15:00**
